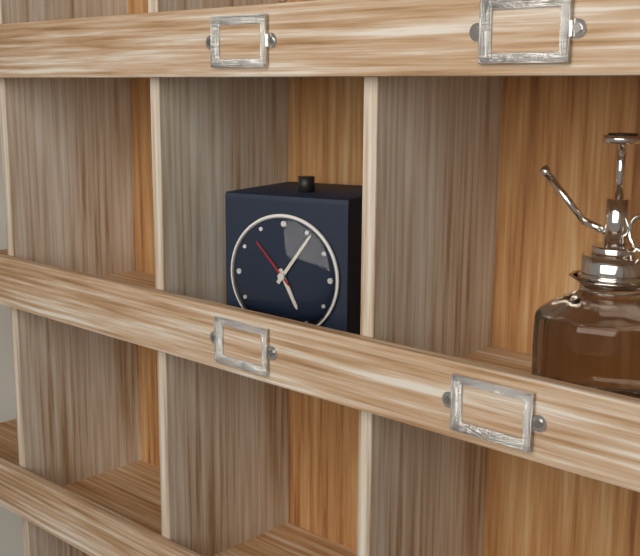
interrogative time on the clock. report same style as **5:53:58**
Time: **5:06:53**
